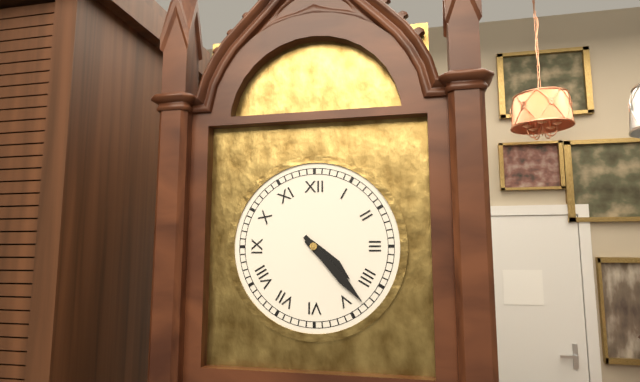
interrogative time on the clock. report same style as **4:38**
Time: **4:23**
